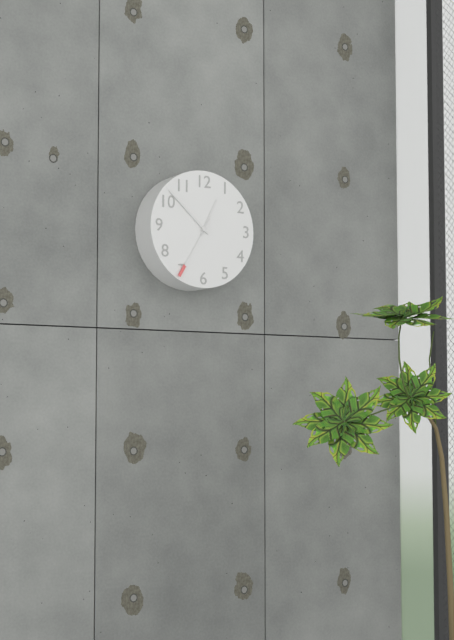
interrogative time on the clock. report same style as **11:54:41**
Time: **12:52:35**
